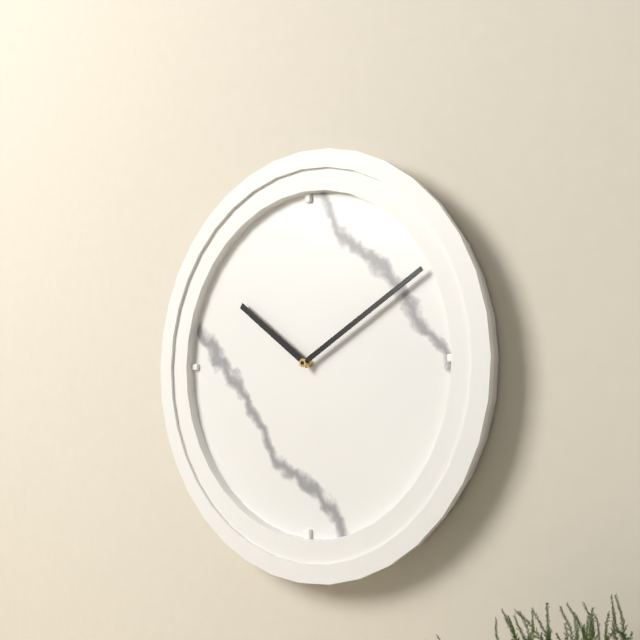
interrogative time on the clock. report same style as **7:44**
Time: **10:10**
